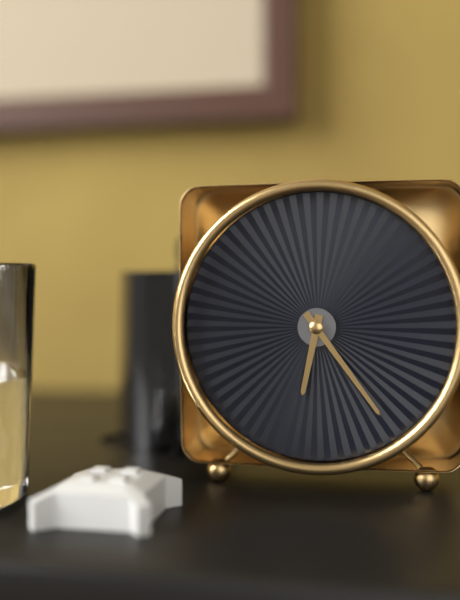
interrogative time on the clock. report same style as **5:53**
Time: **6:24**
